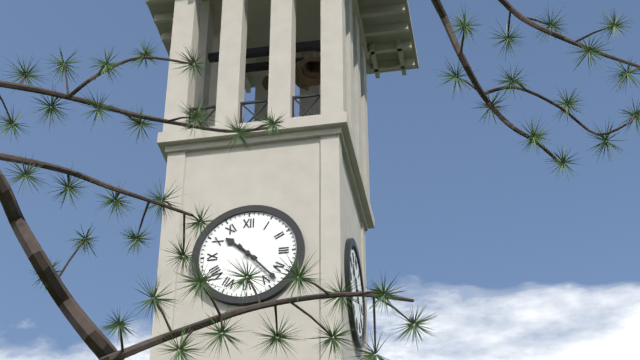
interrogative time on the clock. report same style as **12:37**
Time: **10:23**
